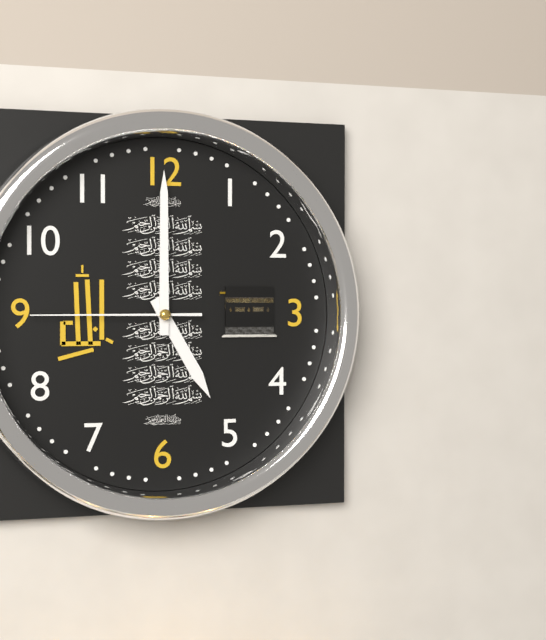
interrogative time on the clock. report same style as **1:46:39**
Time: **5:00:45**
